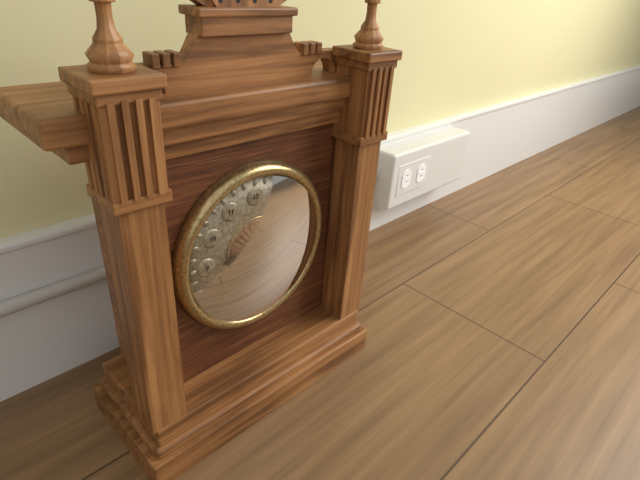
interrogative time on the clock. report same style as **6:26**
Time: **9:06**
